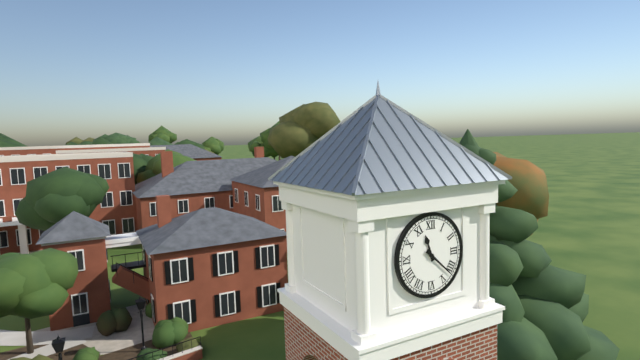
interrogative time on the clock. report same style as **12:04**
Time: **11:22**
